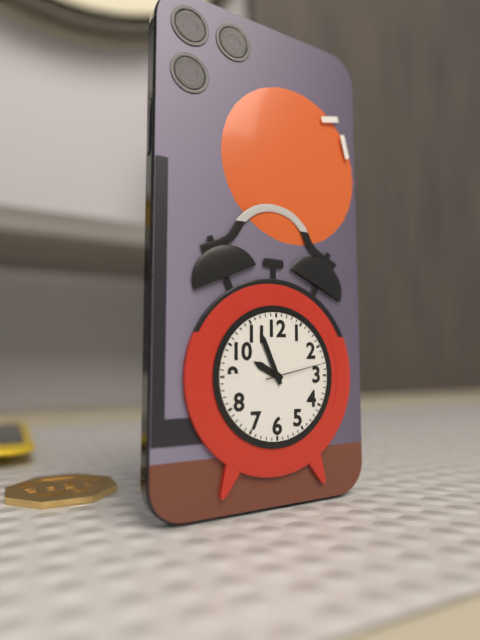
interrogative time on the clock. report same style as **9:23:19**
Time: **9:56:13**
